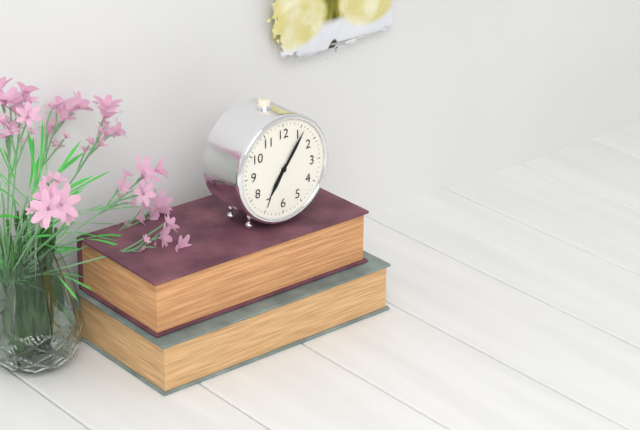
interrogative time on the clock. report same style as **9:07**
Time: **7:06**
